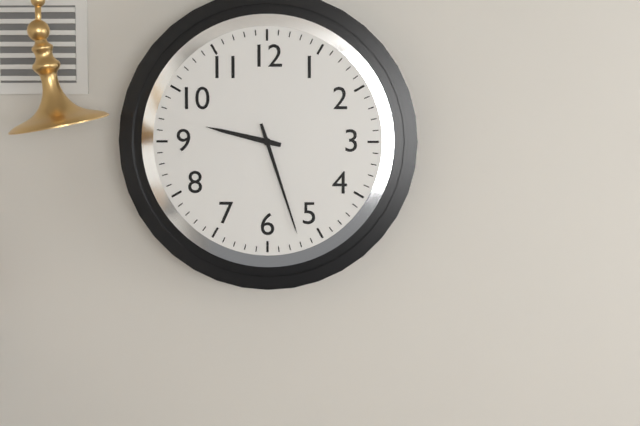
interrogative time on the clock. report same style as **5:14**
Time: **9:27**
